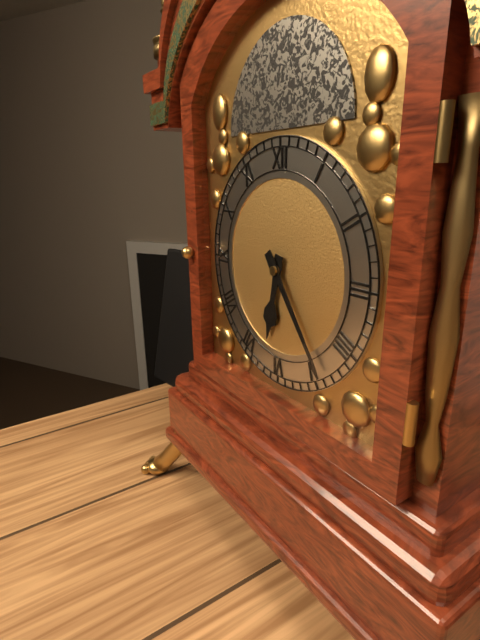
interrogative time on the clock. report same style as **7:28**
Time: **6:24**
